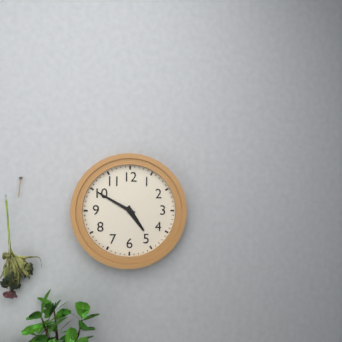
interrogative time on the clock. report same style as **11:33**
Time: **4:50**
